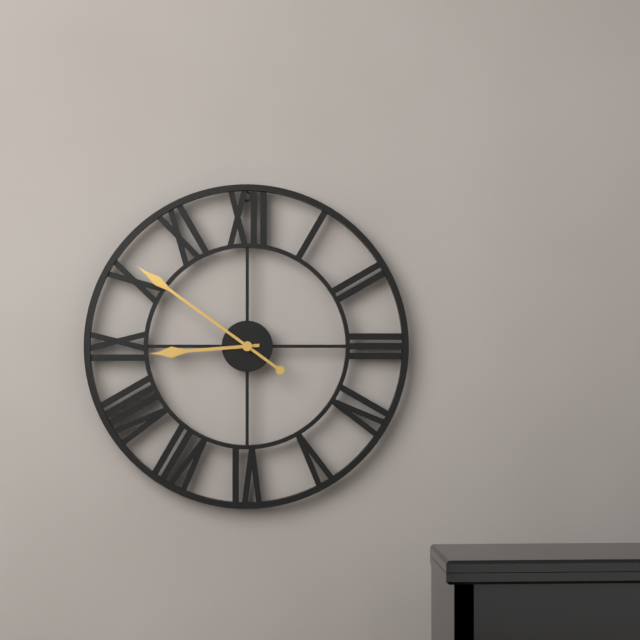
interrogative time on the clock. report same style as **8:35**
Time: **8:51**
